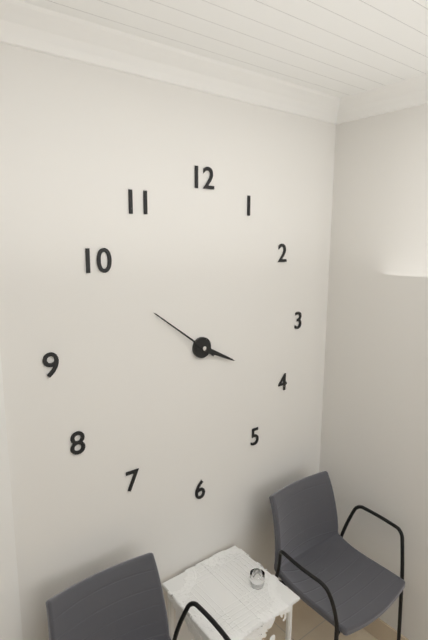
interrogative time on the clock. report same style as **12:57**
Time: **3:51**
